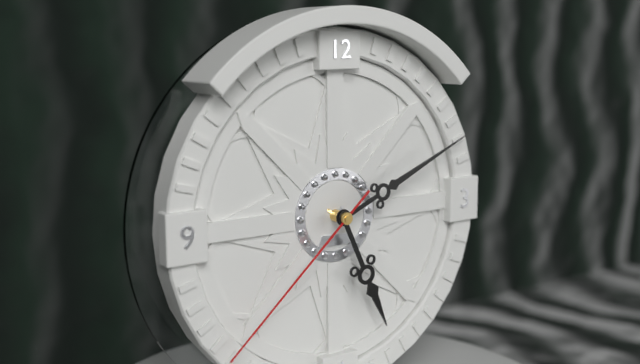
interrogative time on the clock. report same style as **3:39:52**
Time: **5:11:38**
